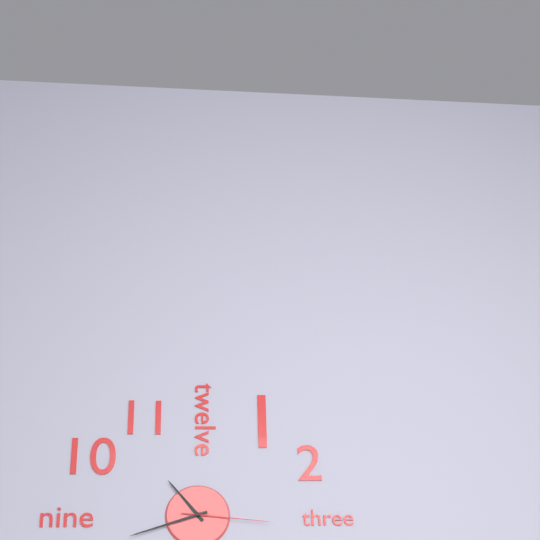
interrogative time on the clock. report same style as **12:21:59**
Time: **10:42:16**
